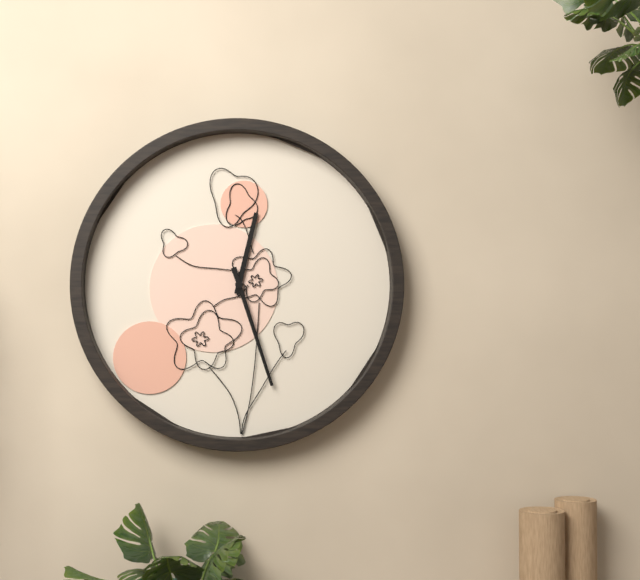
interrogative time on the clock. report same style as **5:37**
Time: **12:27**
